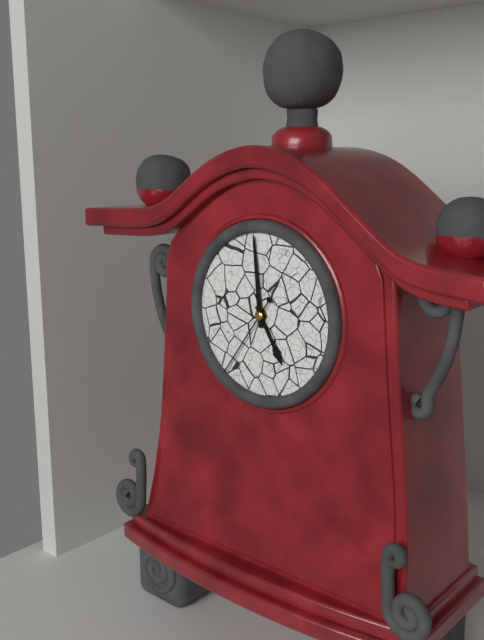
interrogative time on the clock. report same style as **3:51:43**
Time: **4:59:36**
